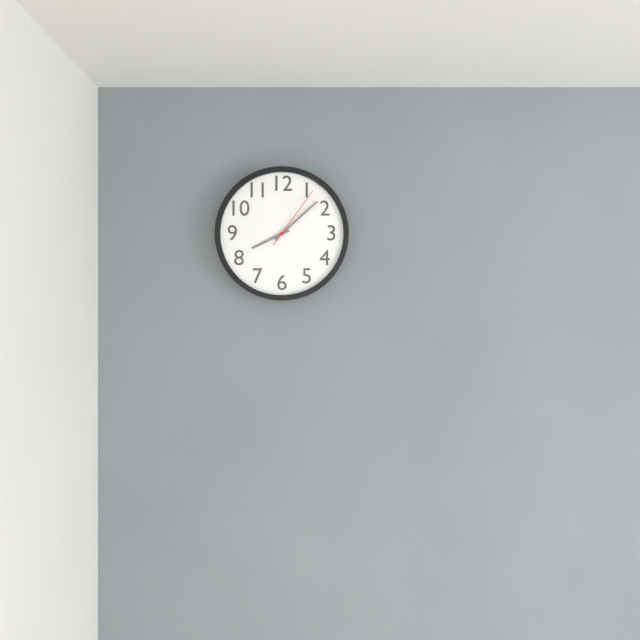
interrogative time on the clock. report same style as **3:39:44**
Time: **8:08:06**
